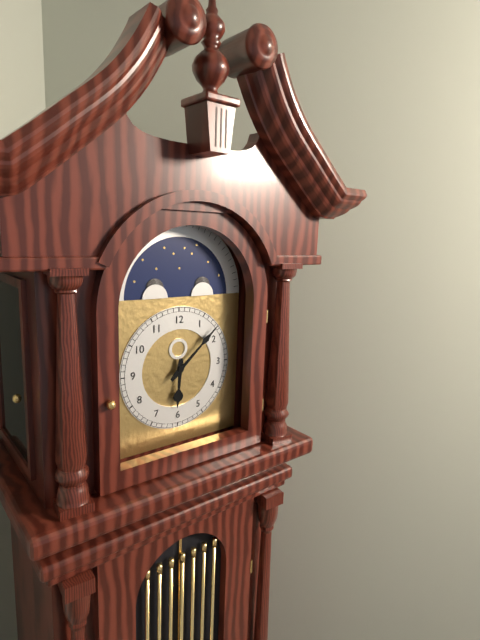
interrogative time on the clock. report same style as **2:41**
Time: **6:08**
